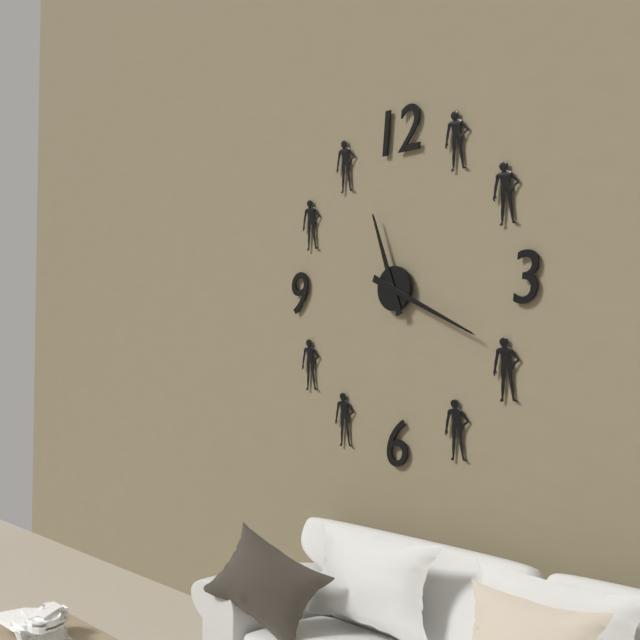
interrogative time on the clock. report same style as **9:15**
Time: **11:19**
